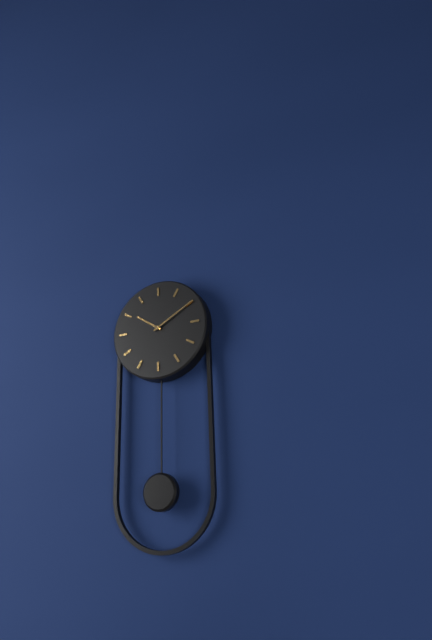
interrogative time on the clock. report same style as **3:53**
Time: **10:10**
